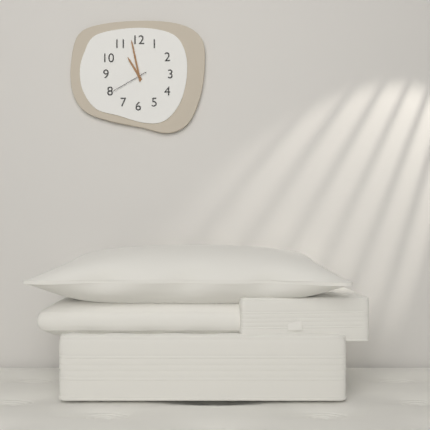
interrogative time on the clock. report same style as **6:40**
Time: **10:58**
